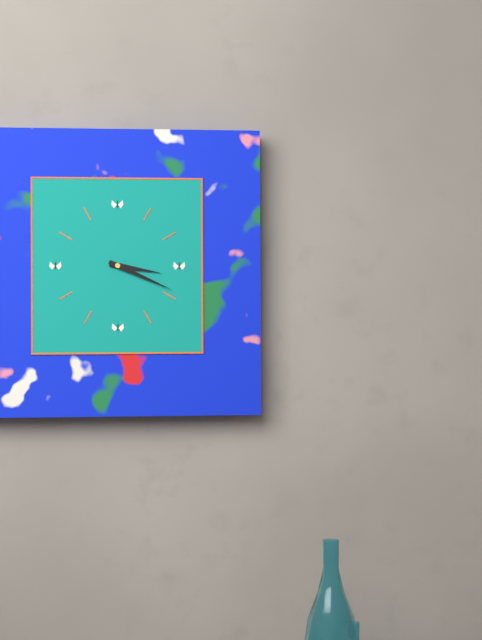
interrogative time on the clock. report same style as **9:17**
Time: **3:19**
